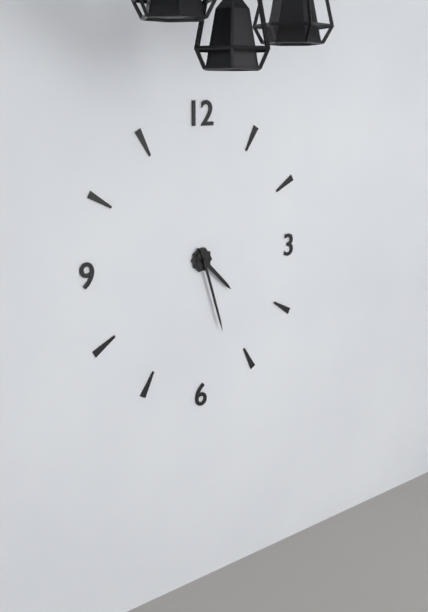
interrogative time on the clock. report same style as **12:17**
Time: **4:27**
